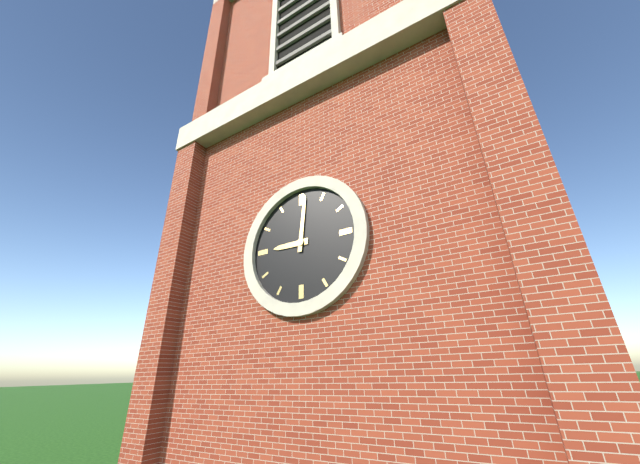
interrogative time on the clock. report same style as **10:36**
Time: **9:01**
